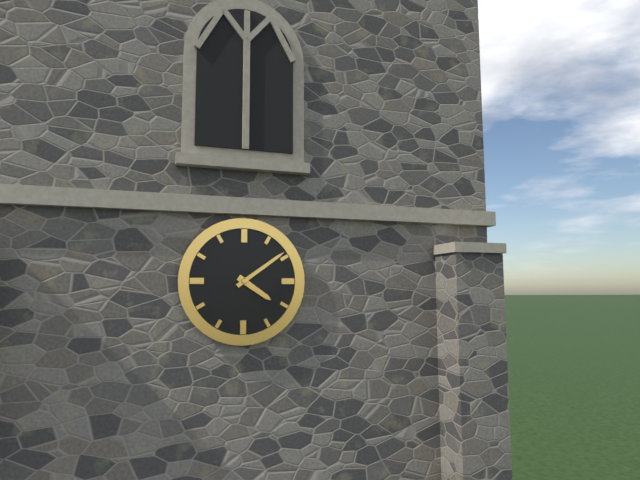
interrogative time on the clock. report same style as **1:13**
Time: **4:09**
